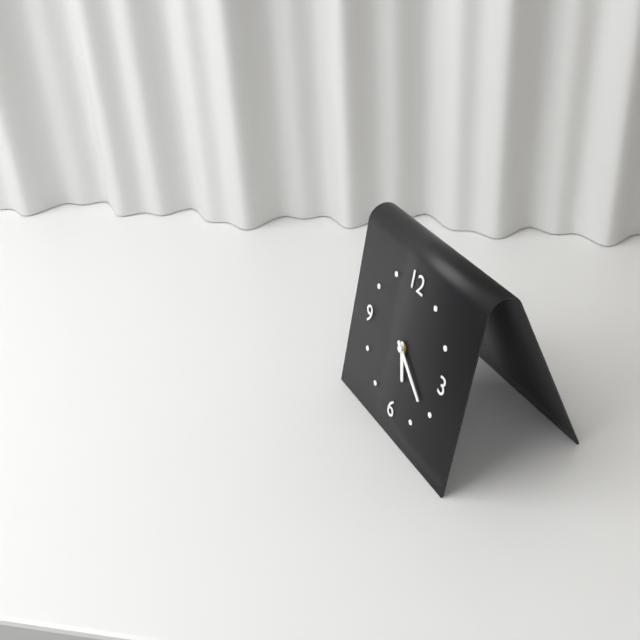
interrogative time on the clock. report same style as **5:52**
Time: **5:21**
